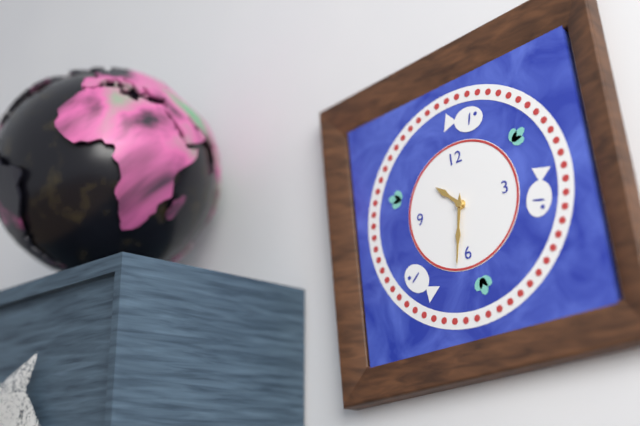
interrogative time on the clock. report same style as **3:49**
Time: **10:32**
